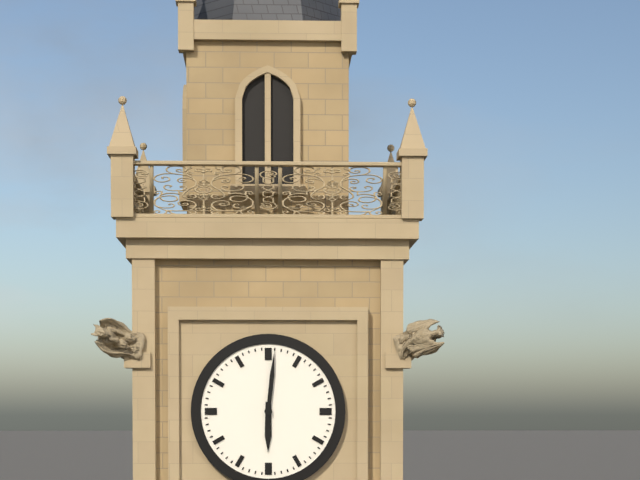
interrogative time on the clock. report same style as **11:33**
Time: **6:01**
